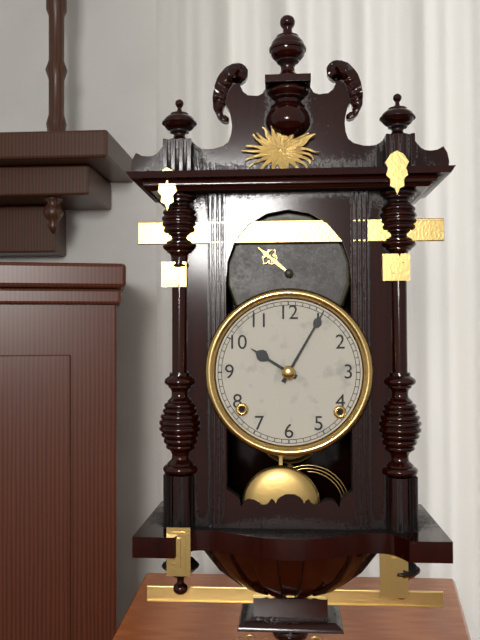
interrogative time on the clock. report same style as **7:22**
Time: **10:05**
